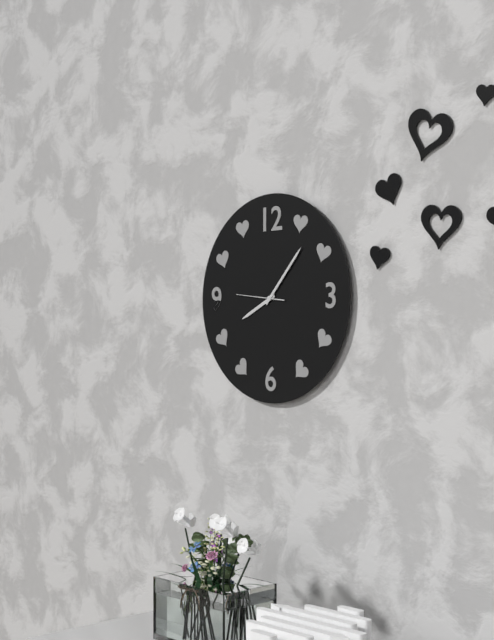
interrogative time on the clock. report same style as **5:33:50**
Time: **8:07:46**
